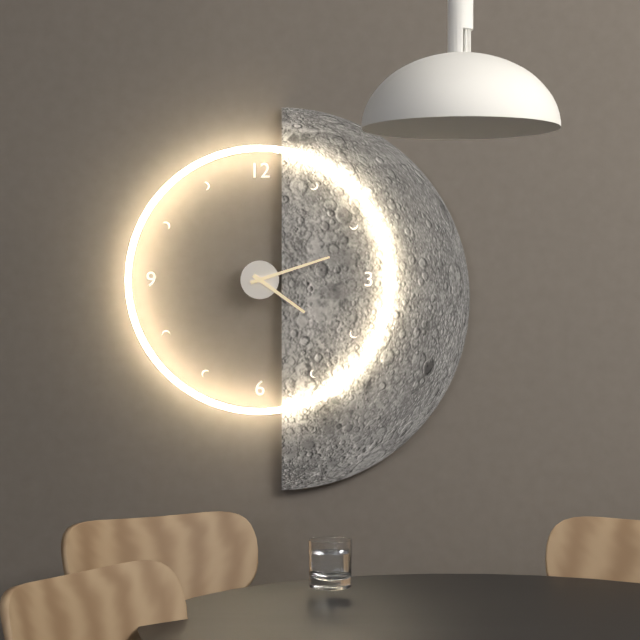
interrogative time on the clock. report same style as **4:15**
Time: **4:12**
